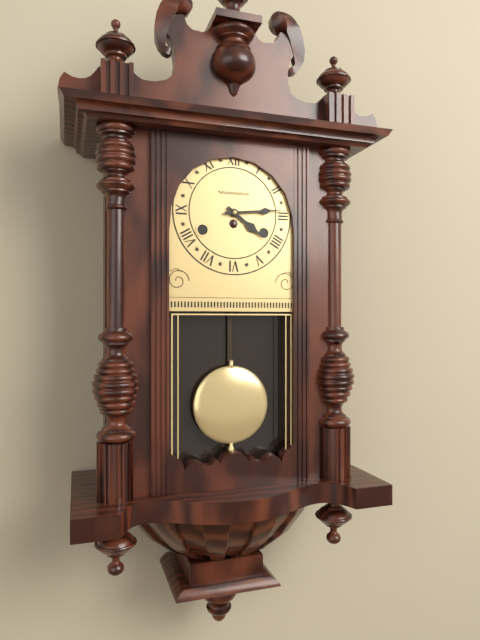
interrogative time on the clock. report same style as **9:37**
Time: **4:14**
